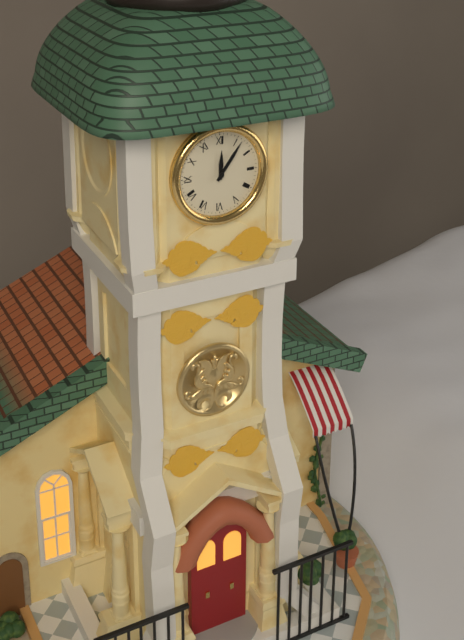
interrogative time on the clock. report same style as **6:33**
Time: **12:06**
